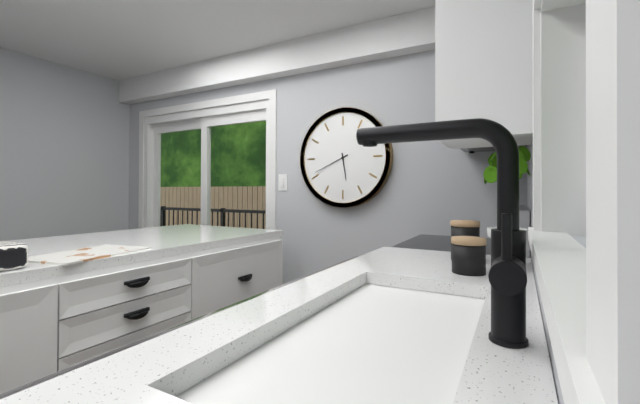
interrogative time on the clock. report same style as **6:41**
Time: **5:41**
